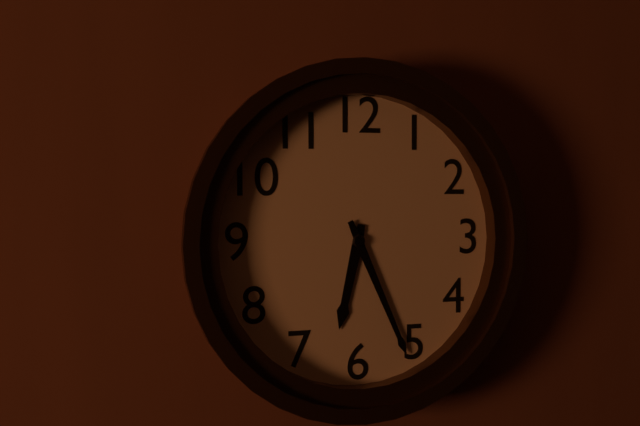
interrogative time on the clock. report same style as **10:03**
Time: **6:26**
